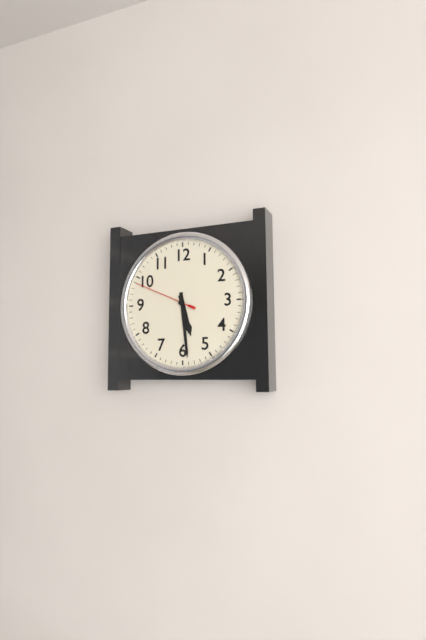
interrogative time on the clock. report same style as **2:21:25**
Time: **5:29:49**
